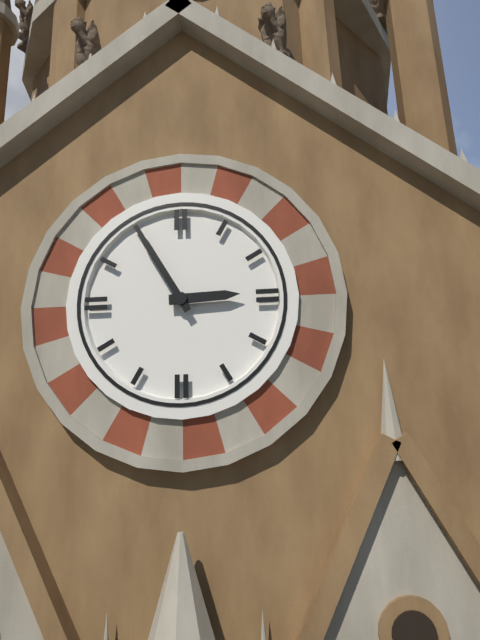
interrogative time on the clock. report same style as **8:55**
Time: **2:55**
